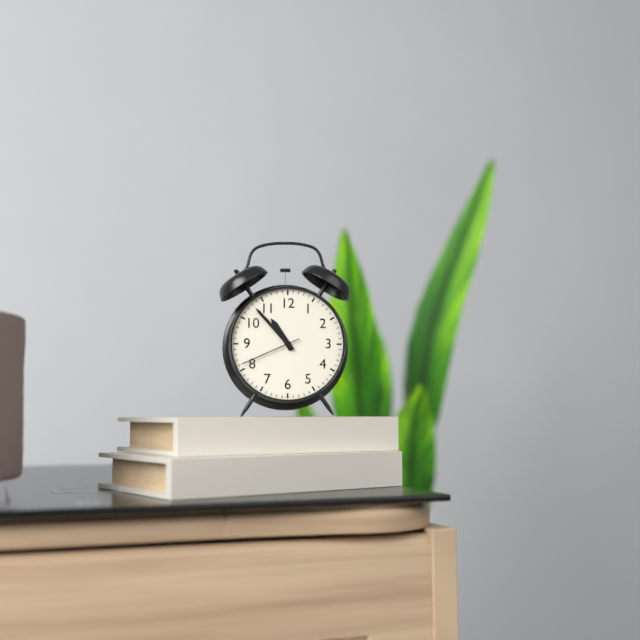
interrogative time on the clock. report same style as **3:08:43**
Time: **10:53:41**
